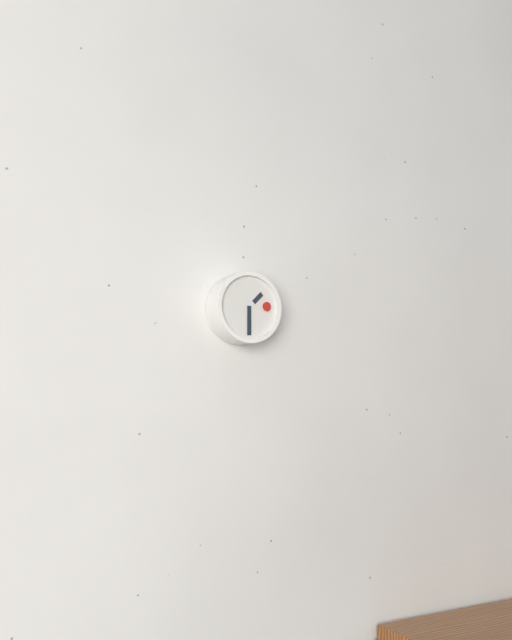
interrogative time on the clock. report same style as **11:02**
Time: **1:30**
